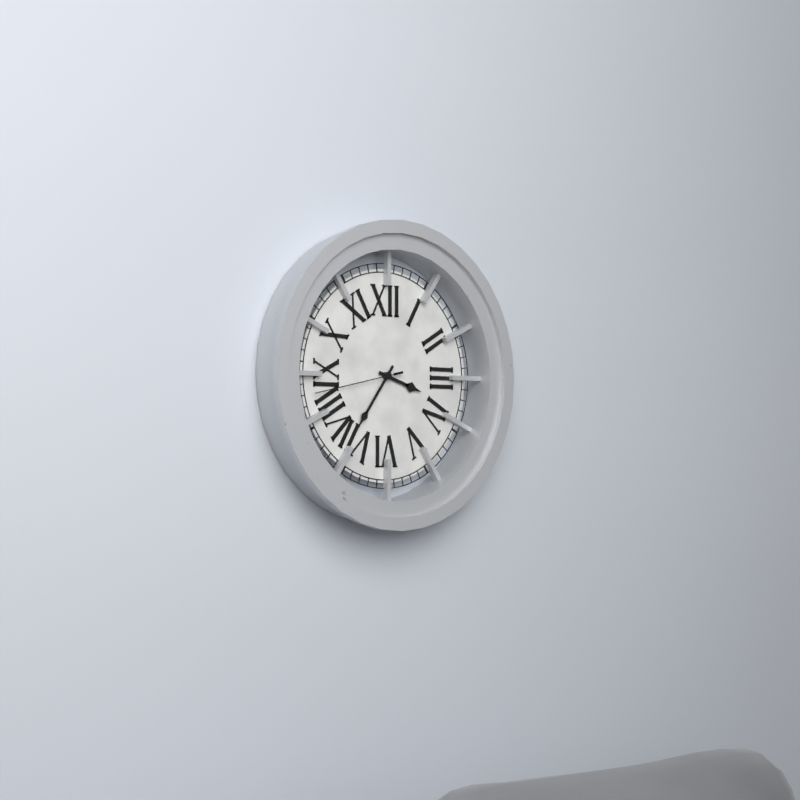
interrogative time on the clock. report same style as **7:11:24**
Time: **3:36:43**
